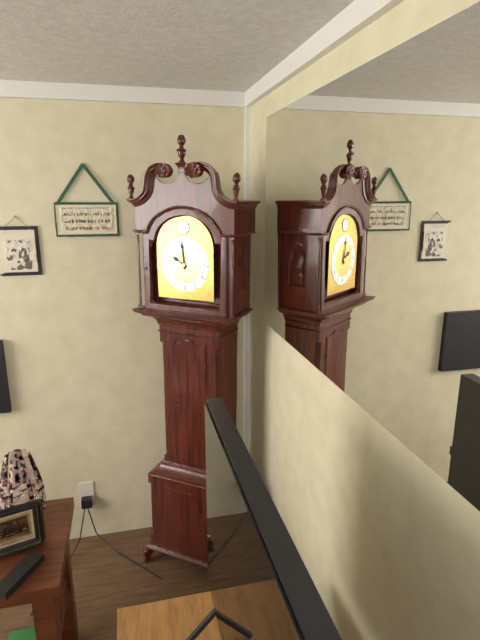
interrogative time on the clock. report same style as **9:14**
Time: **9:59**
